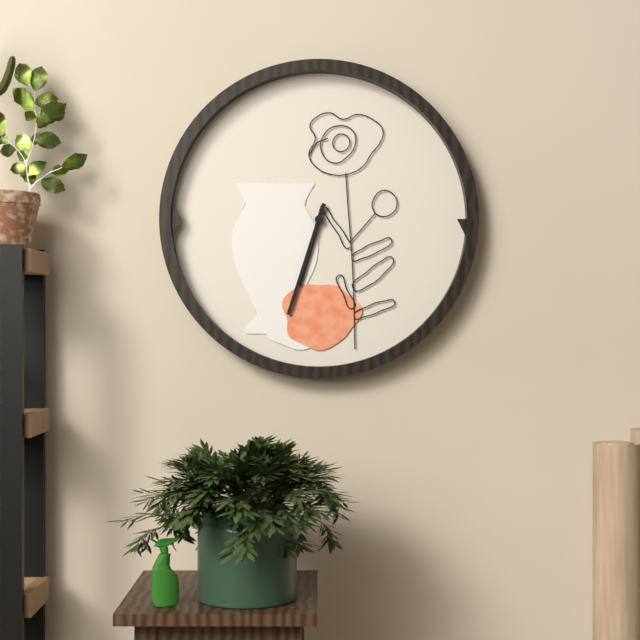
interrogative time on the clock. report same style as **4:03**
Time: **6:33**
